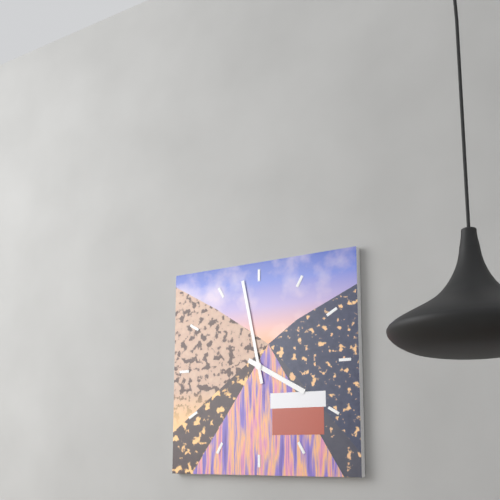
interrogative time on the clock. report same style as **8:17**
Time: **3:58**
